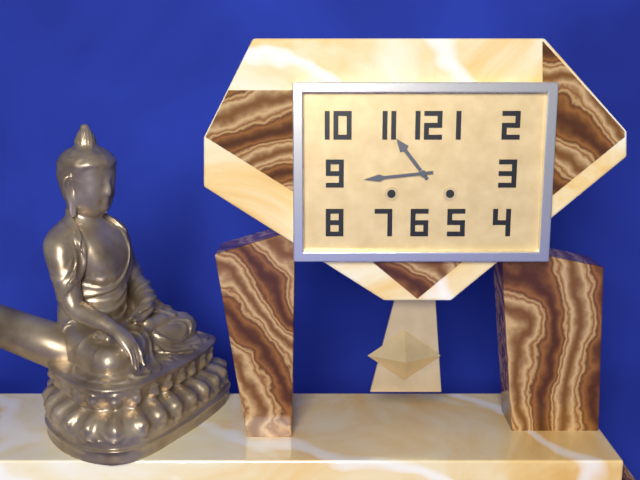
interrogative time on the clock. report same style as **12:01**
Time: **10:44**
